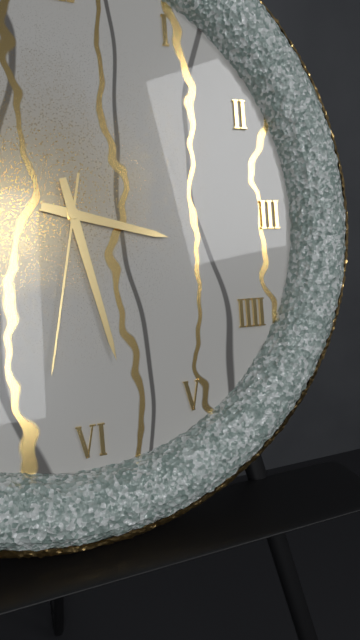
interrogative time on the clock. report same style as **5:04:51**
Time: **3:28:32**
